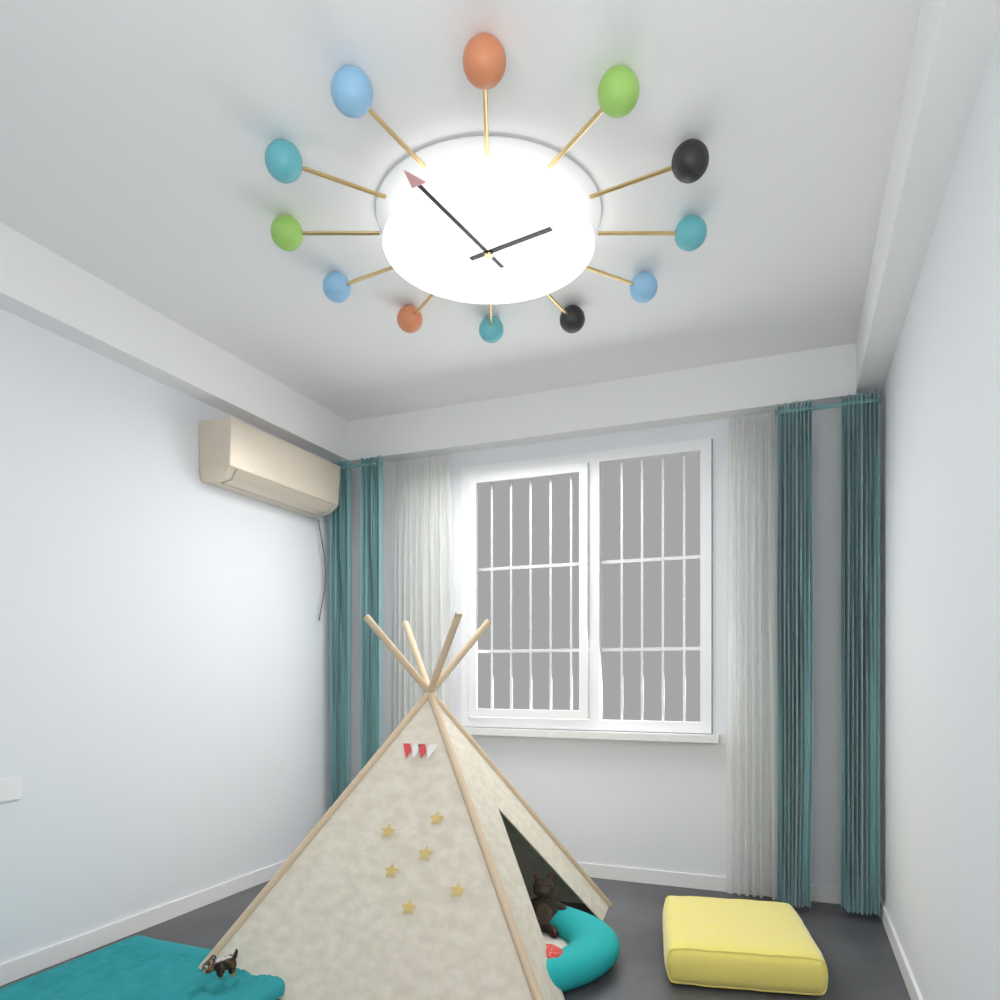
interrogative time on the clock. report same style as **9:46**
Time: **1:55**
